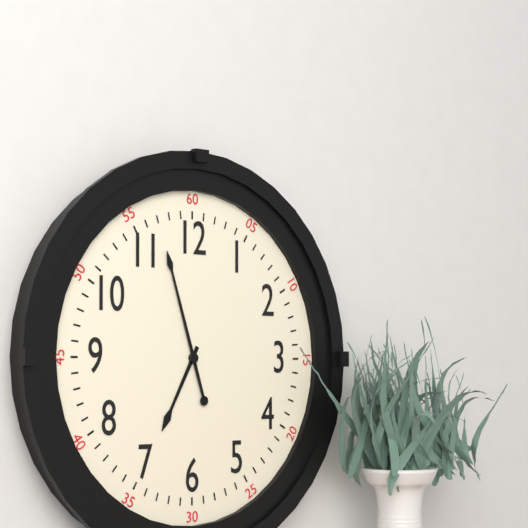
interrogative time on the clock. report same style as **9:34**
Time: **6:57**
